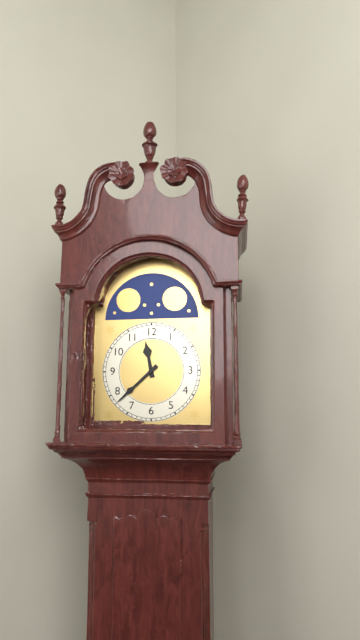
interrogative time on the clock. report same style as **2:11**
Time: **11:38**
